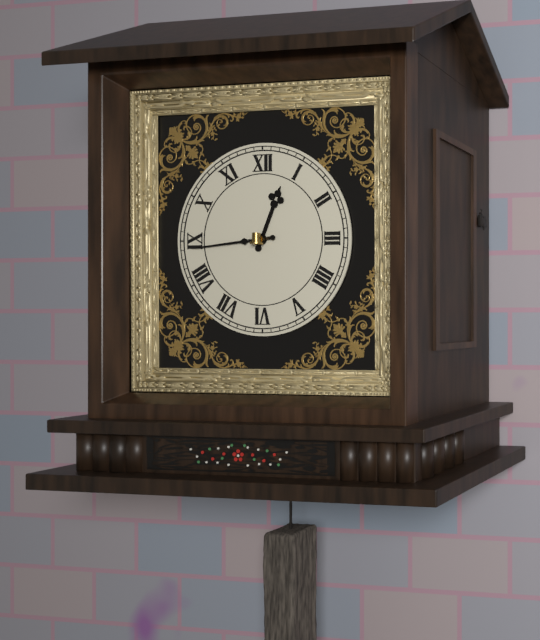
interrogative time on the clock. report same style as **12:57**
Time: **12:44**
